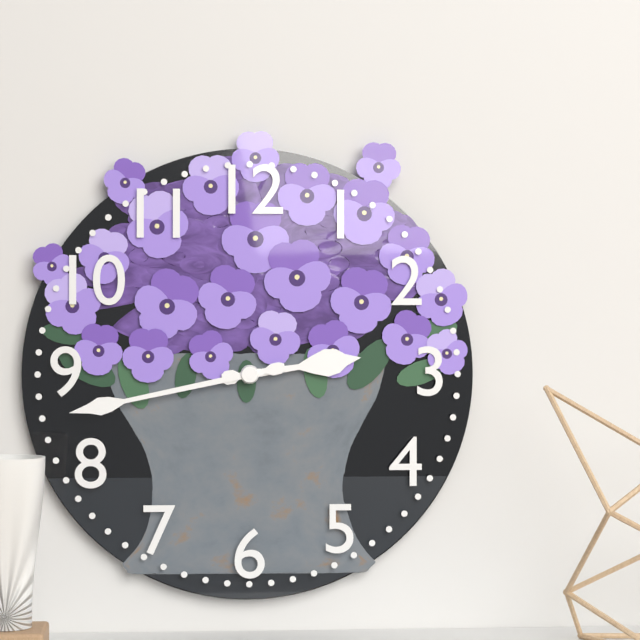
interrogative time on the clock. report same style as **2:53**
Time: **2:43**
